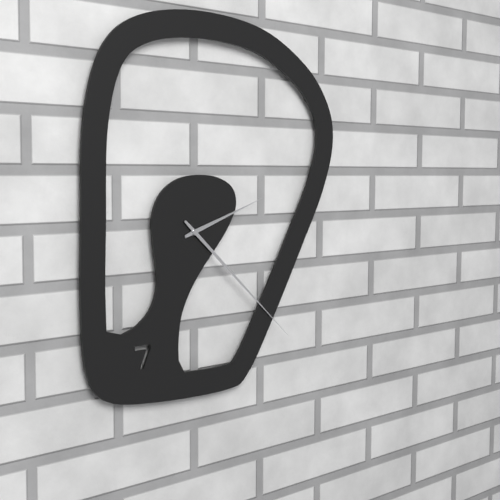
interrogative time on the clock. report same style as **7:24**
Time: **2:22**
